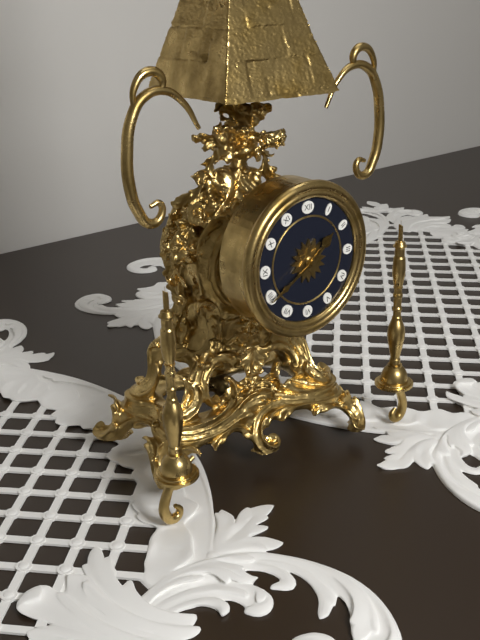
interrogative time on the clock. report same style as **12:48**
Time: **1:40**
